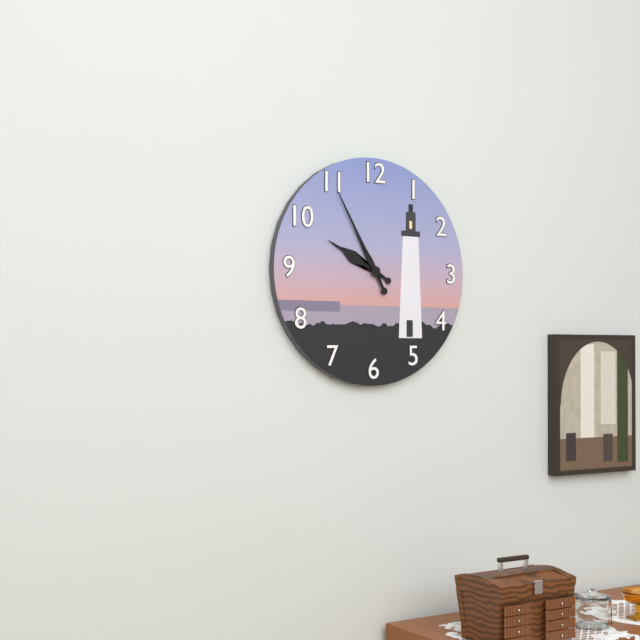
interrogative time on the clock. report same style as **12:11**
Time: **9:55**
